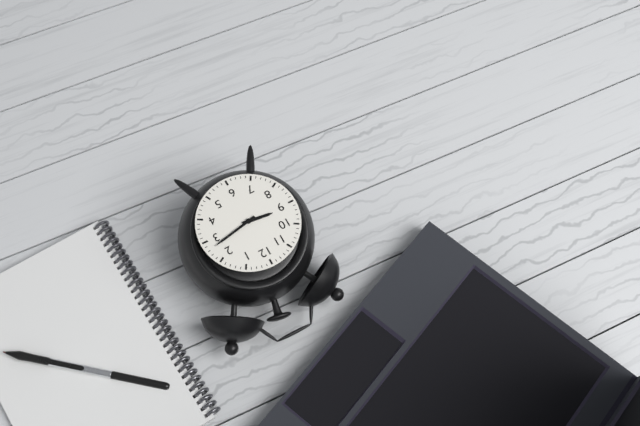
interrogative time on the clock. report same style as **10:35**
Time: **9:13**
